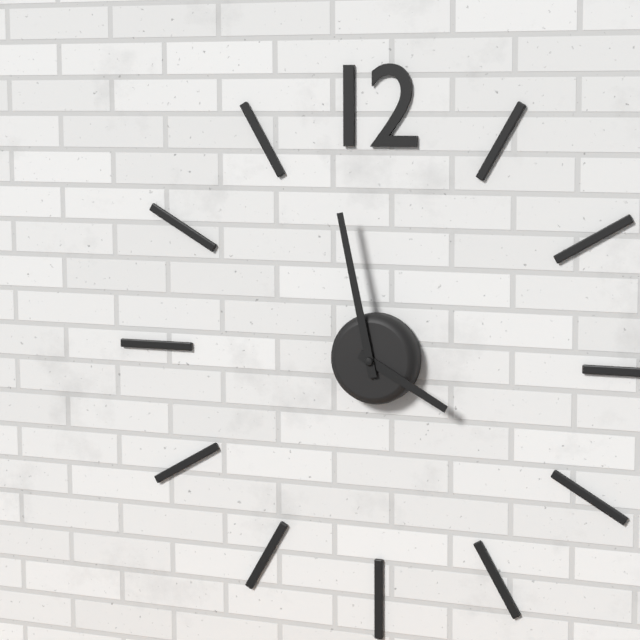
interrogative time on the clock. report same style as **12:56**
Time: **3:58**
